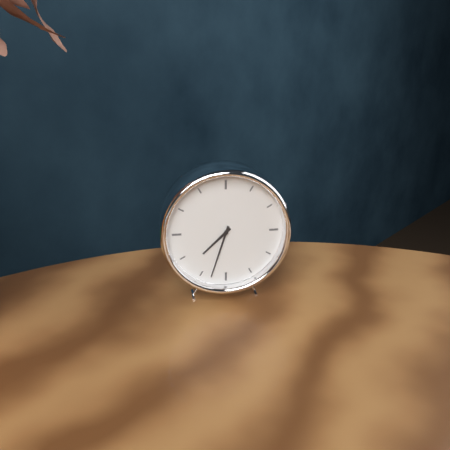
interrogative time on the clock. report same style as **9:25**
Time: **7:33**
